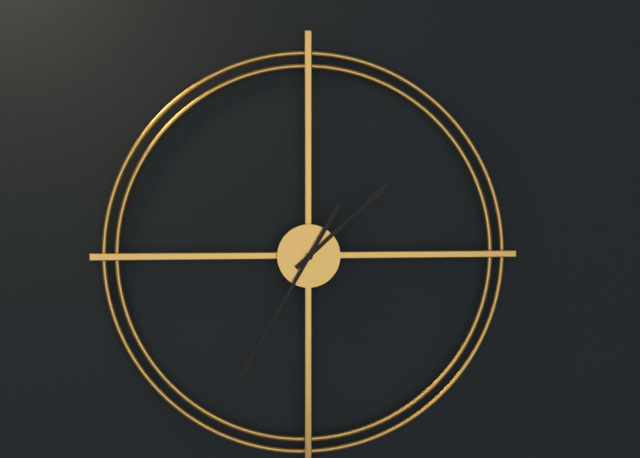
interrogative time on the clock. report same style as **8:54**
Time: **1:35**
